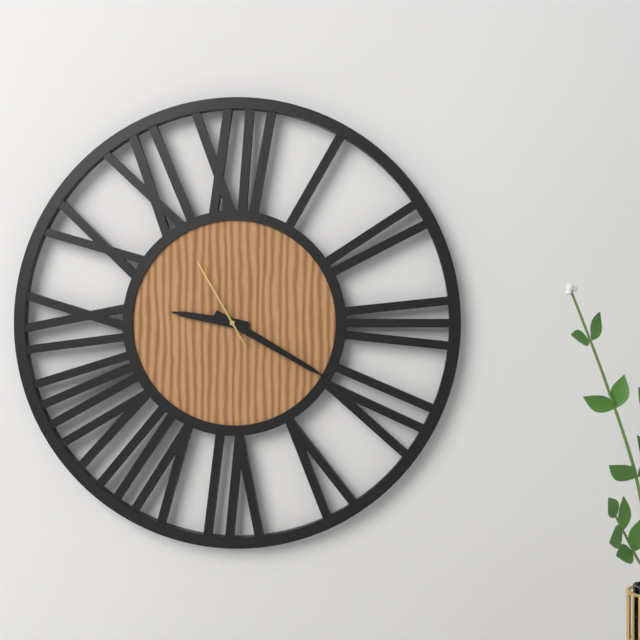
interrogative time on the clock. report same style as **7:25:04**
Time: **9:20:55**
